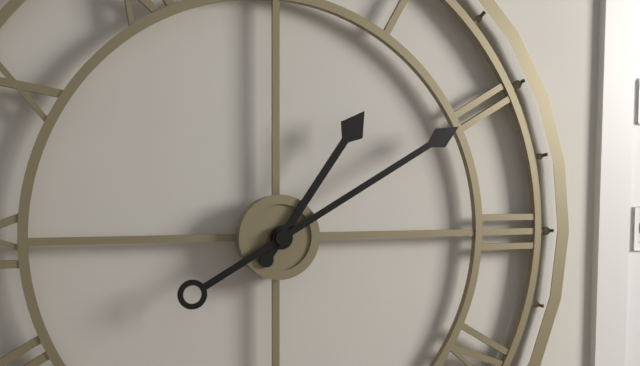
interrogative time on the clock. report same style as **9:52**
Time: **1:10**
